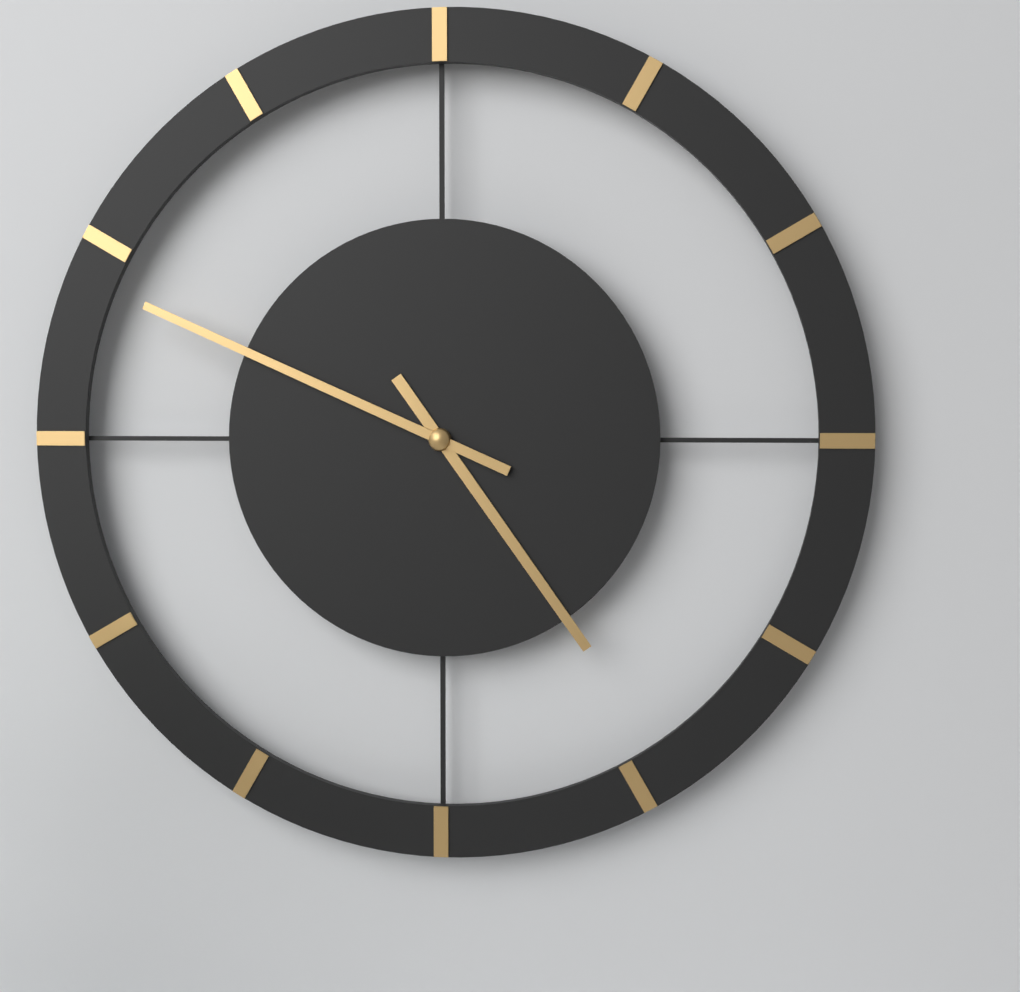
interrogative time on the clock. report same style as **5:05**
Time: **4:49**
